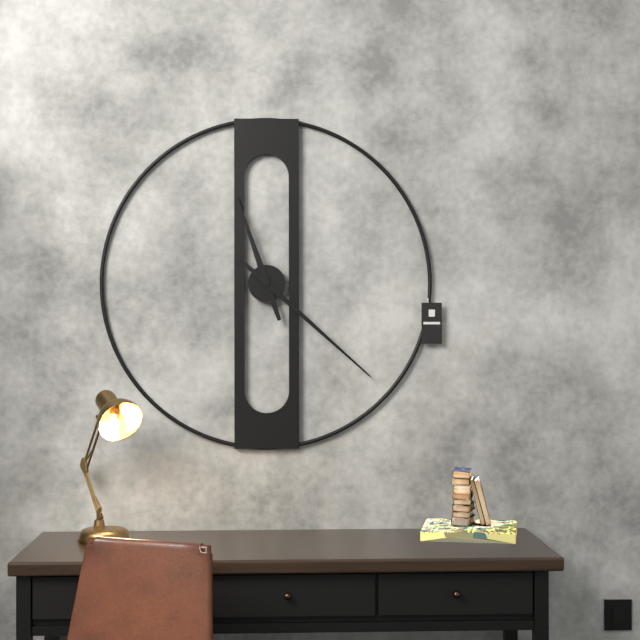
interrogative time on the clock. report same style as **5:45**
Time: **11:22**
